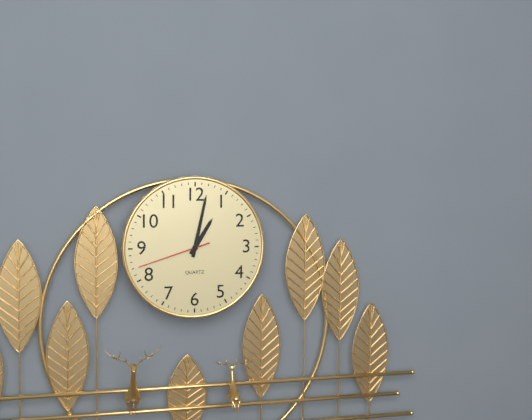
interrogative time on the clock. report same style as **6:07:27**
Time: **1:02:42**
